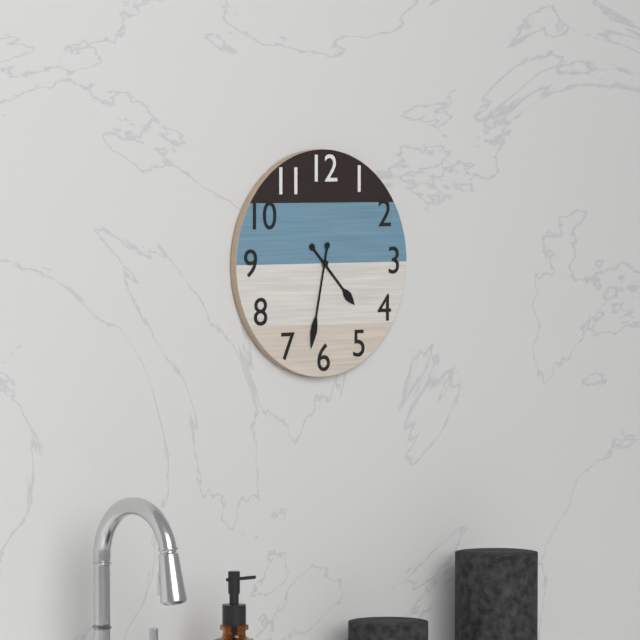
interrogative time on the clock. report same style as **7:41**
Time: **4:32**
